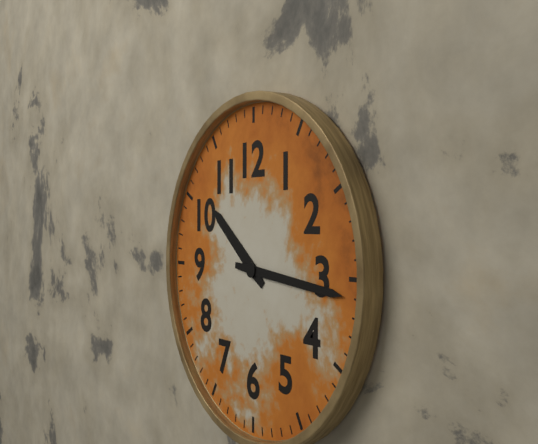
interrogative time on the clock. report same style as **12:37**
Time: **10:16**
